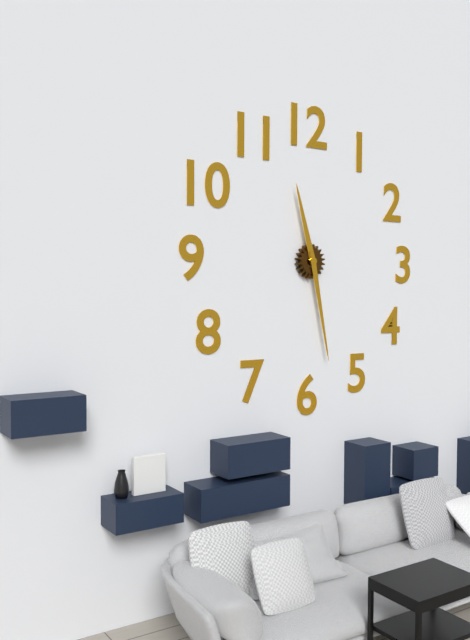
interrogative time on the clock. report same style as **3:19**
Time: **11:28**
